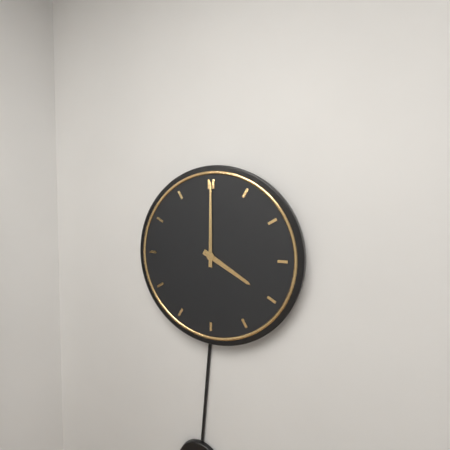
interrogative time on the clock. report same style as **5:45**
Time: **4:00**
